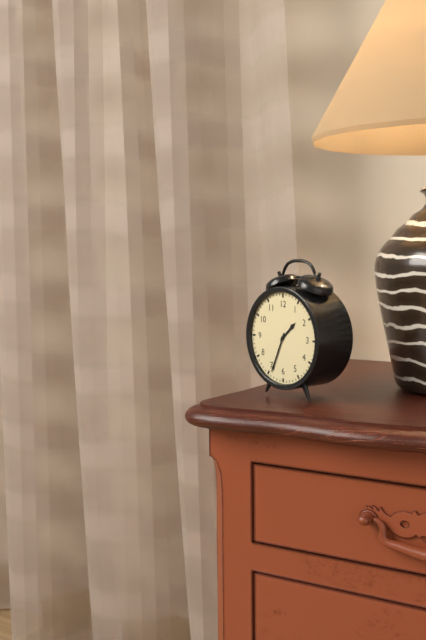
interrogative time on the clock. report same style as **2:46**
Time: **1:34**
